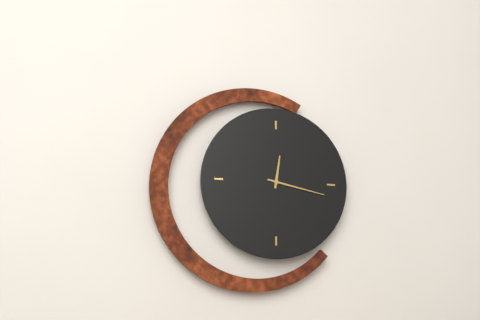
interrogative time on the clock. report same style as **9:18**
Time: **12:17**
